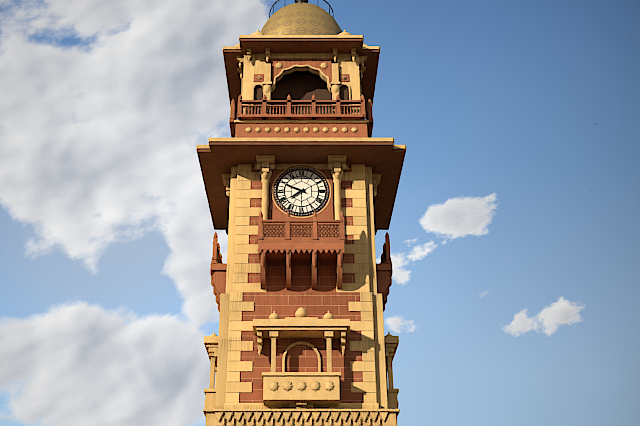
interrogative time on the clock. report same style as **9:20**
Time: **7:49**
